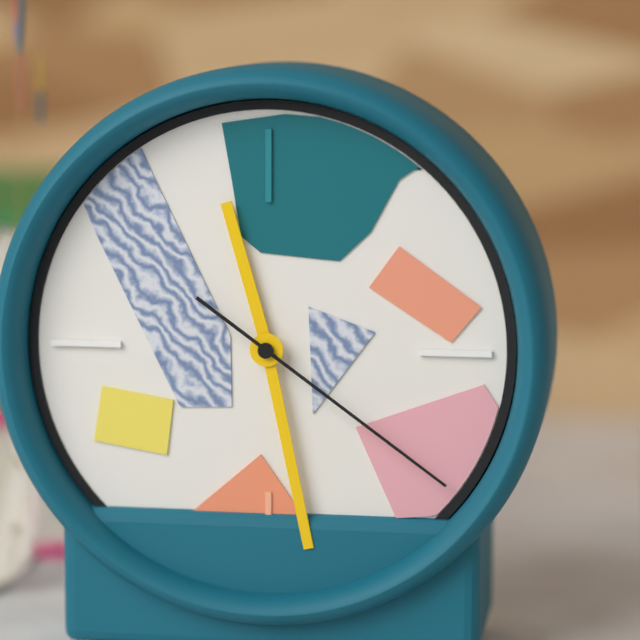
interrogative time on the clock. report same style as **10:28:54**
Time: **11:28:21**
